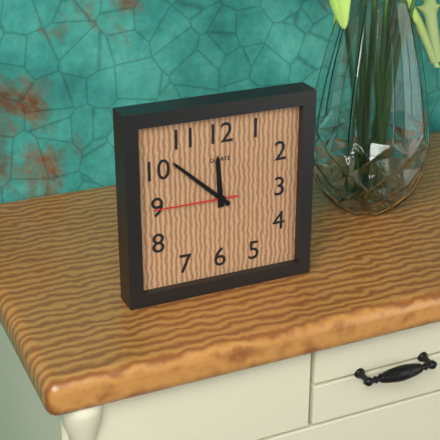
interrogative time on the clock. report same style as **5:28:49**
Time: **11:52:45**
